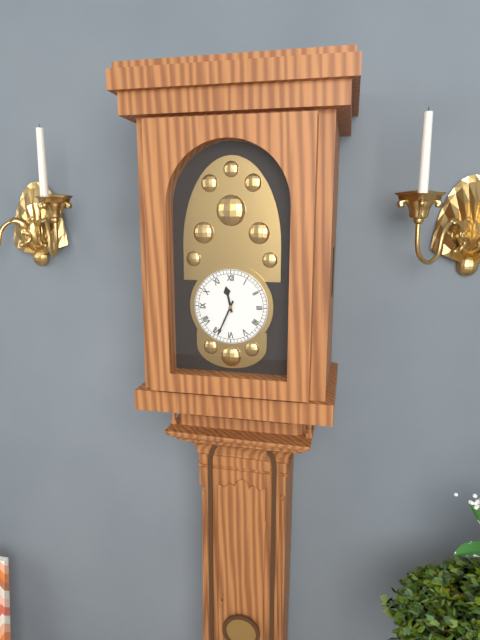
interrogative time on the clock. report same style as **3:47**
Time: **11:34**
